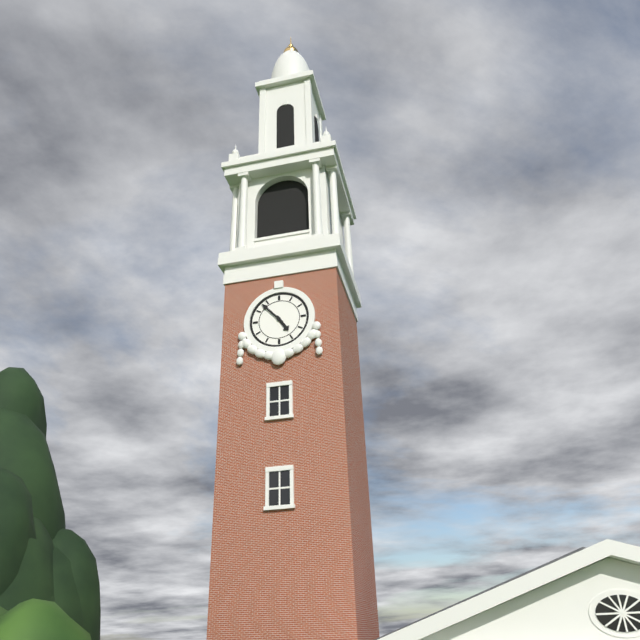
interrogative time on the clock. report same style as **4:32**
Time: **4:53**
